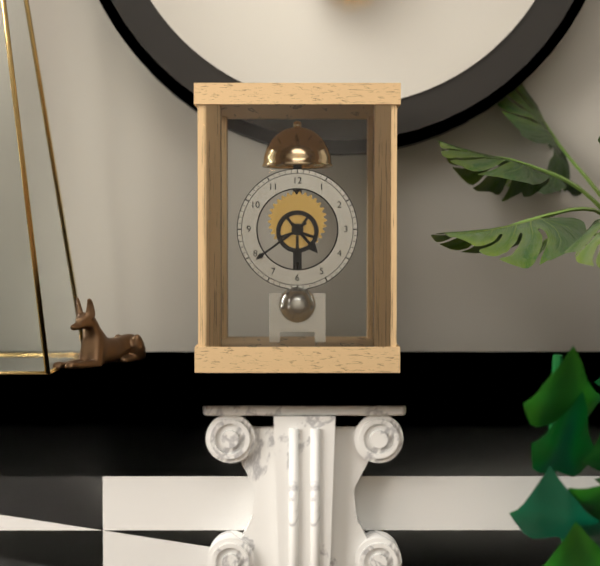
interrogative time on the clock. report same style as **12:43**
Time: **4:39**
